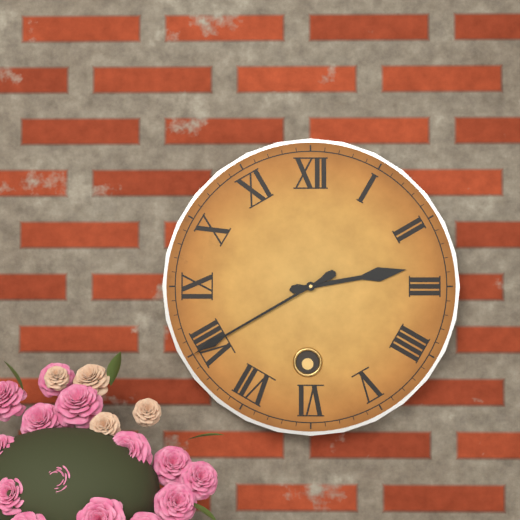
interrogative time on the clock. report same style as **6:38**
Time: **2:40**
